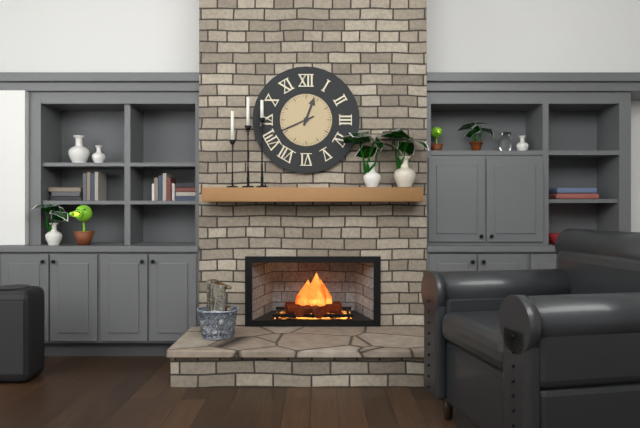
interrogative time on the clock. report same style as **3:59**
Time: **12:41**
